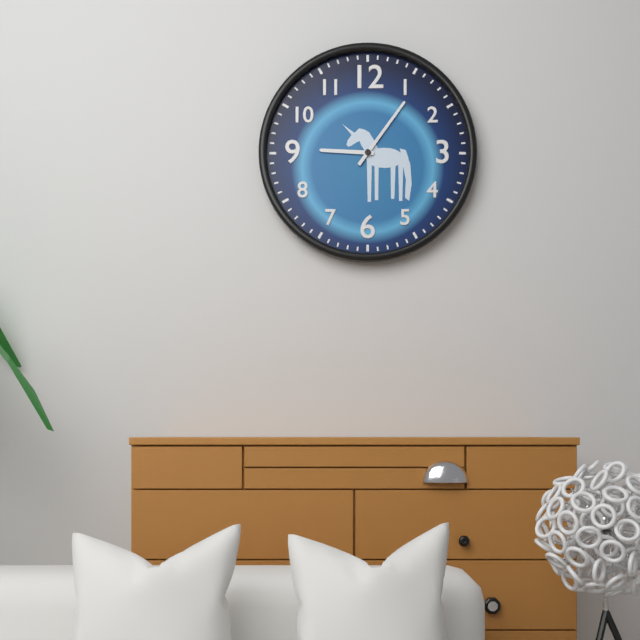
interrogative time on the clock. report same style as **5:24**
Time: **9:06**
